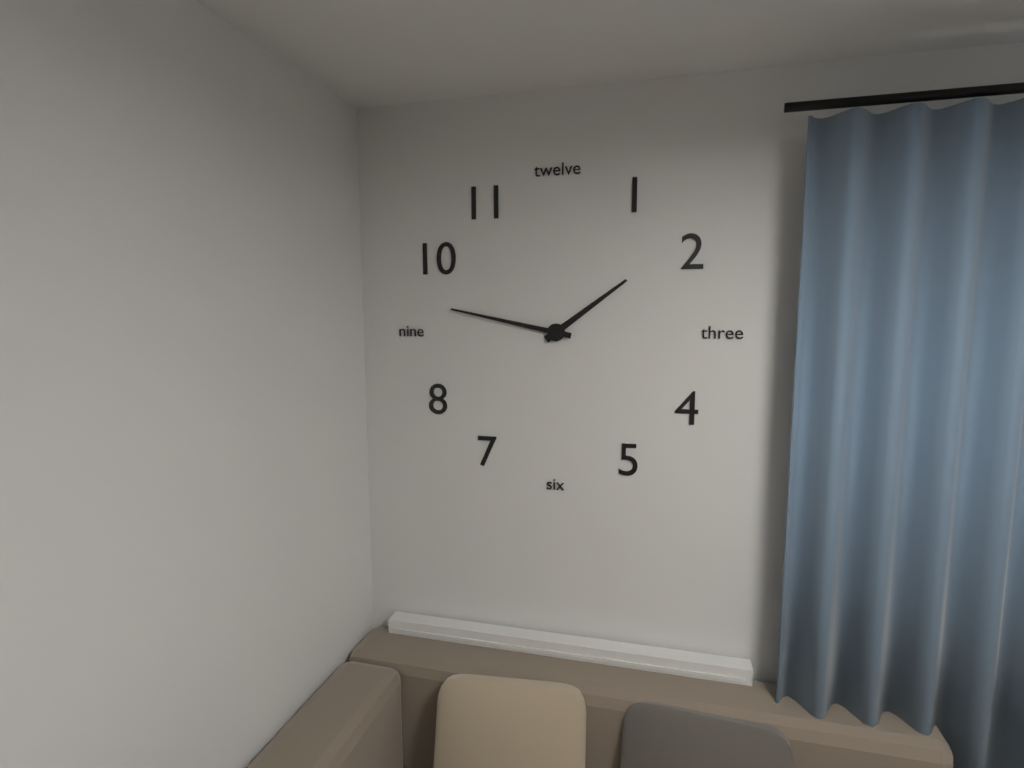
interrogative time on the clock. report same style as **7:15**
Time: **1:47**
